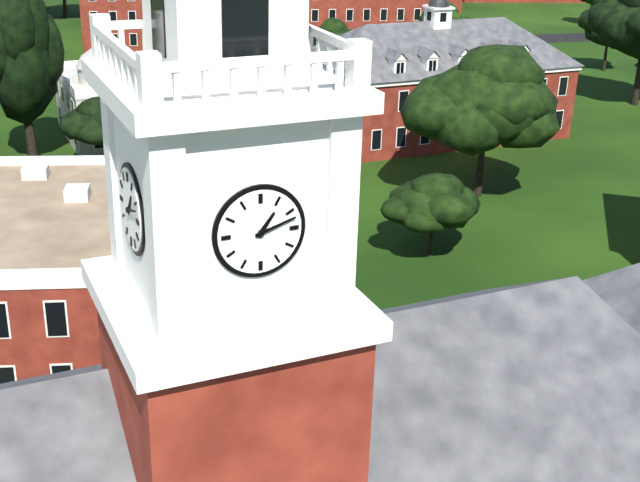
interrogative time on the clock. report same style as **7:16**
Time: **1:12**
